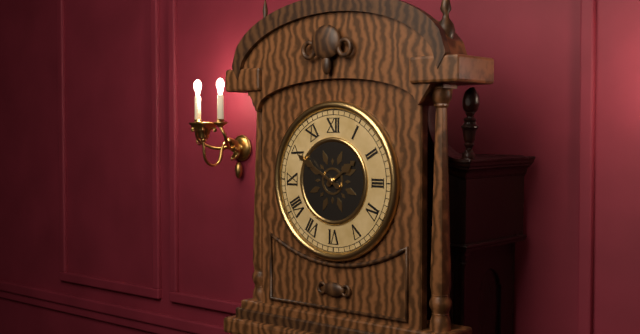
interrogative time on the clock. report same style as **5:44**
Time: **1:50**
